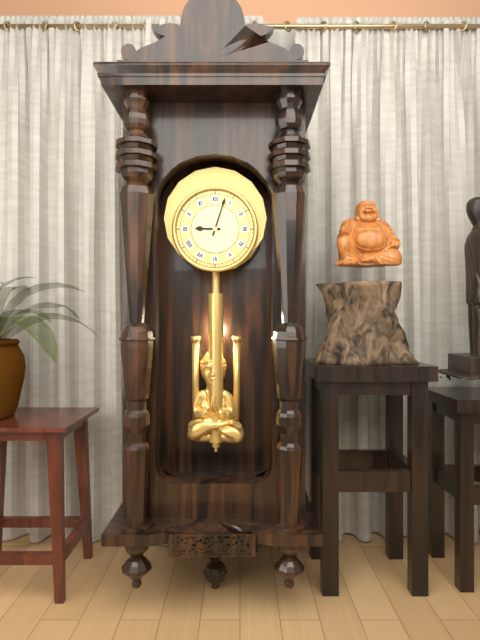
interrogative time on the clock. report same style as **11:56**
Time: **9:03**
